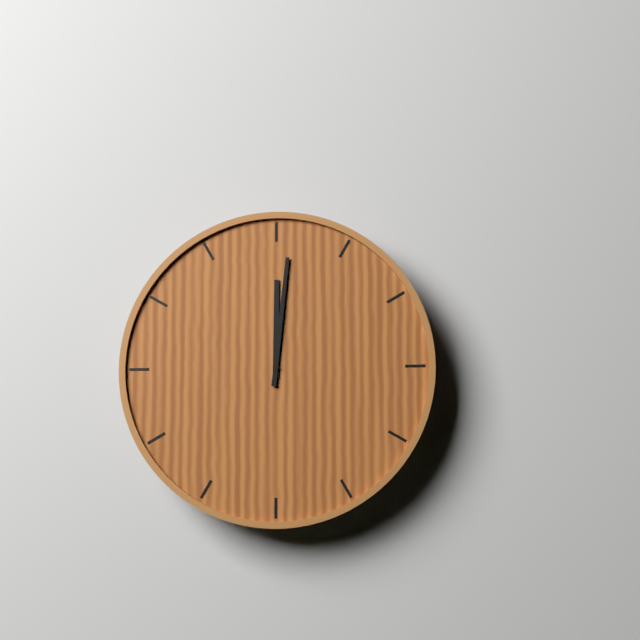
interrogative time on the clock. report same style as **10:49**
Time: **12:01**
